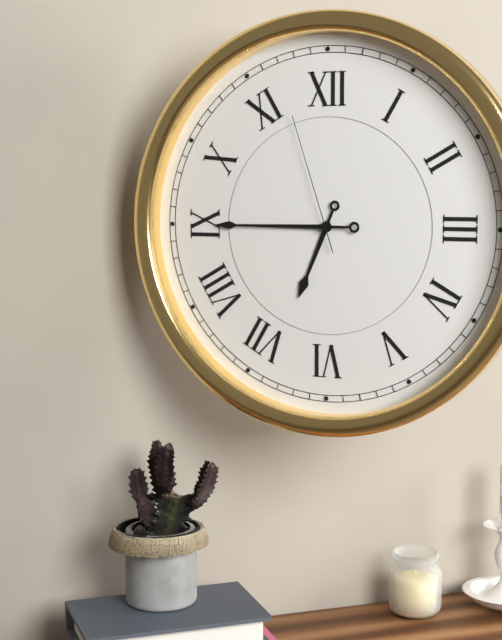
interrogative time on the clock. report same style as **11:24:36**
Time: **6:45:57**
